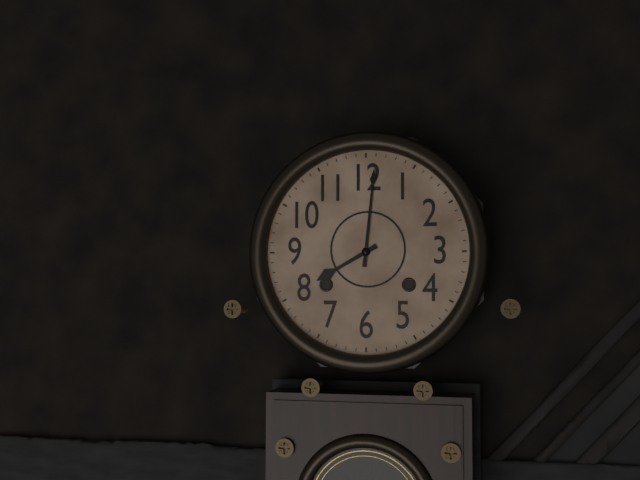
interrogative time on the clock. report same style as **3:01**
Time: **8:01**
